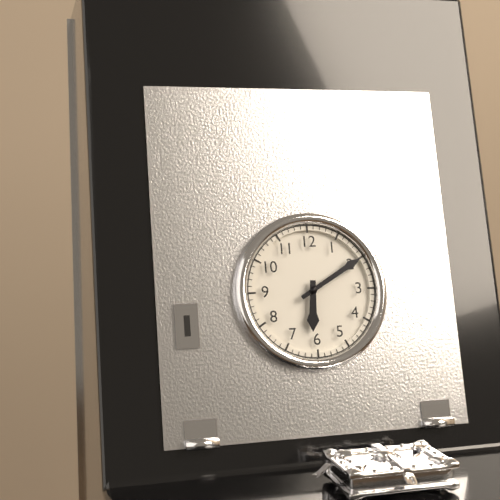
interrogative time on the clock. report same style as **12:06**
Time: **6:10**
